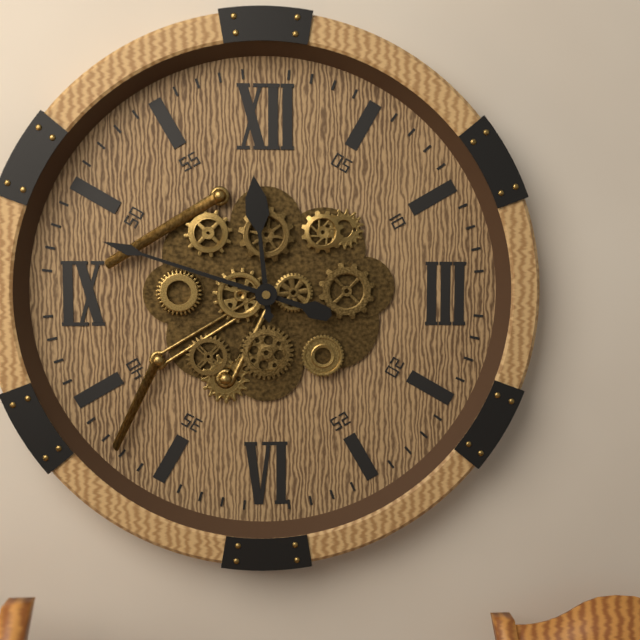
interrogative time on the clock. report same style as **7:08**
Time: **11:48**
